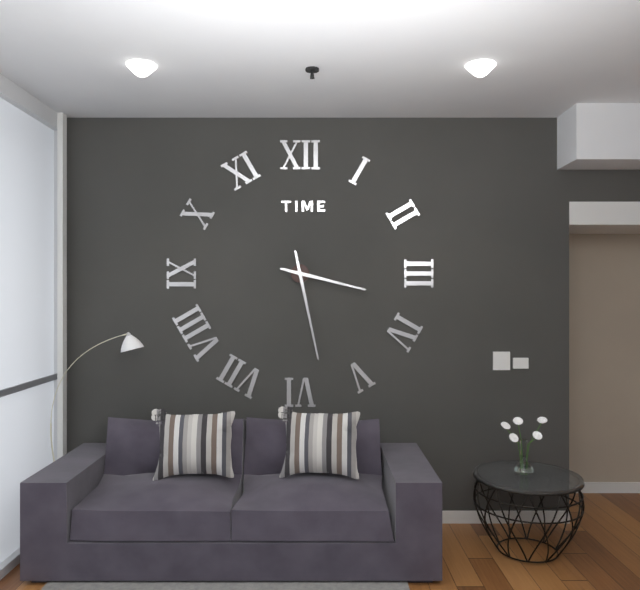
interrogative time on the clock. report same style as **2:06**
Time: **3:28**
